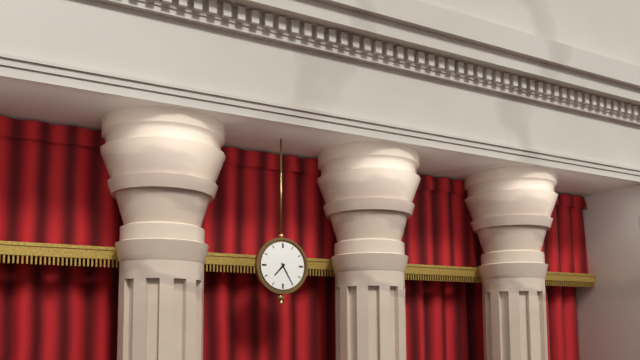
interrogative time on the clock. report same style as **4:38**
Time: **7:25**
